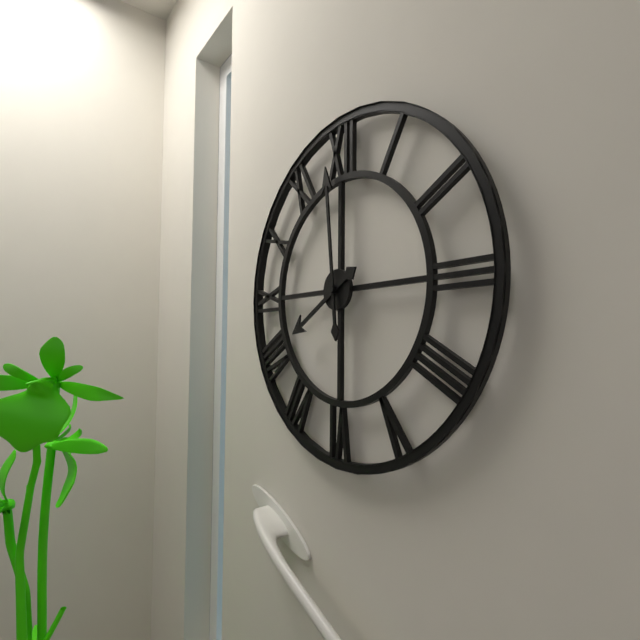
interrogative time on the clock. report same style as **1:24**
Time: **7:59**
